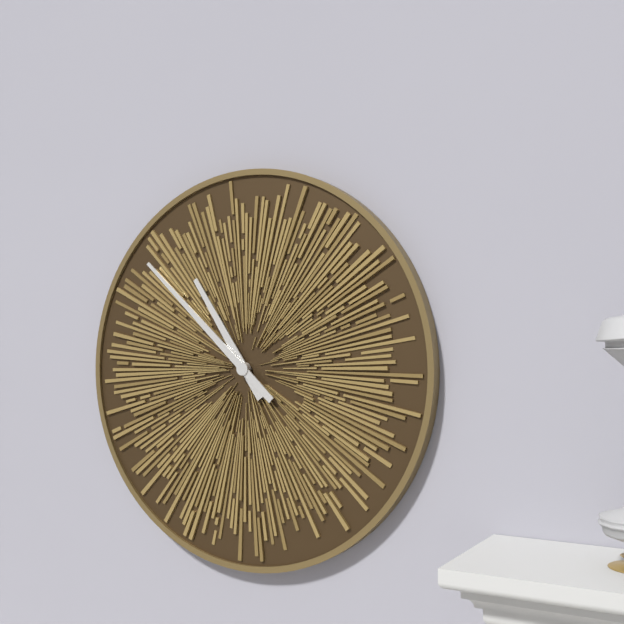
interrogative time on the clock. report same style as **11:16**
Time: **10:52**
